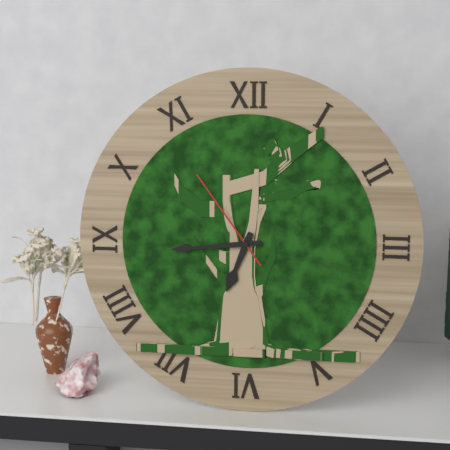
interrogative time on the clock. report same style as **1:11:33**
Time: **6:44:54**
